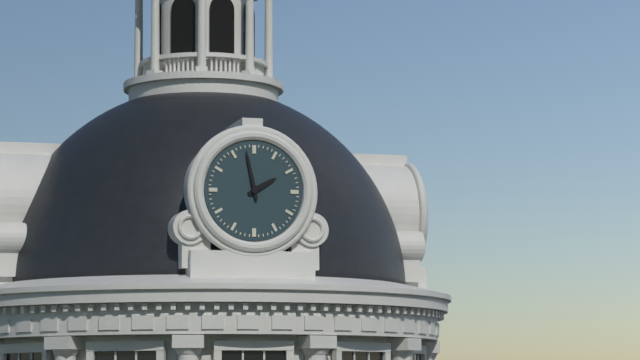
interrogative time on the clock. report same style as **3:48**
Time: **1:58**
